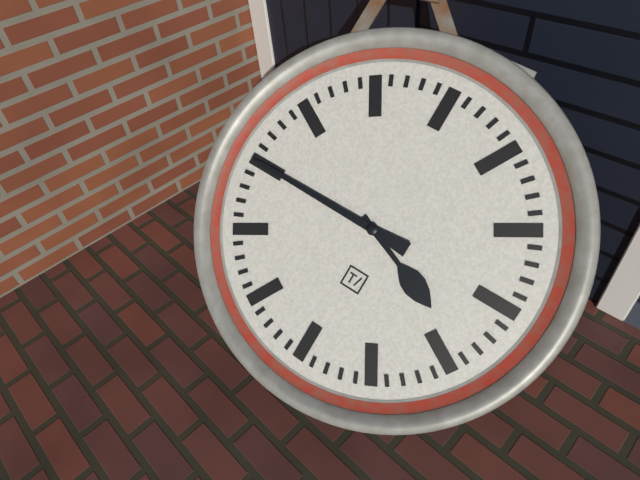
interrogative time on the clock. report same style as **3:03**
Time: **3:45**
